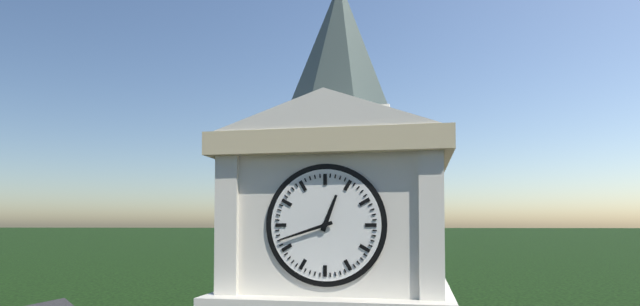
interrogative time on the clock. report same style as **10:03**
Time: **12:42**
